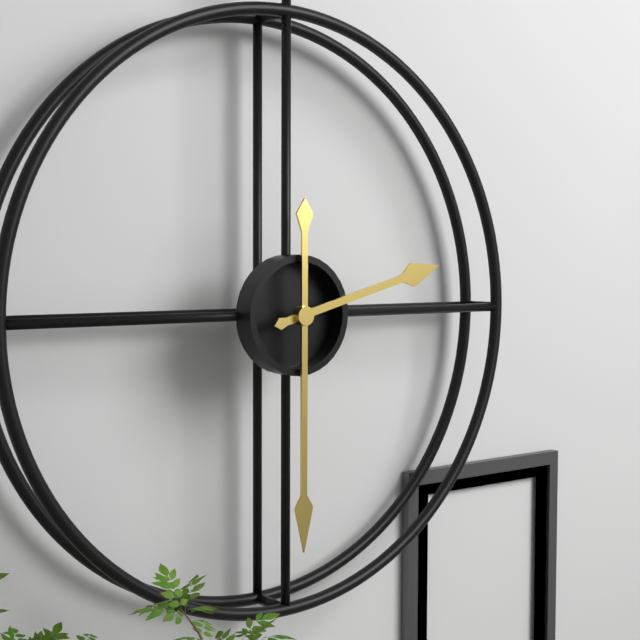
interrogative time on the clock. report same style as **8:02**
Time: **2:30**
